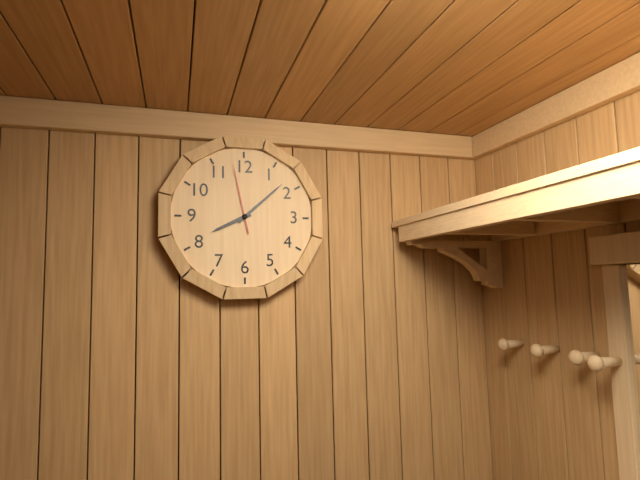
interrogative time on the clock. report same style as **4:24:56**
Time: **8:08:58**
